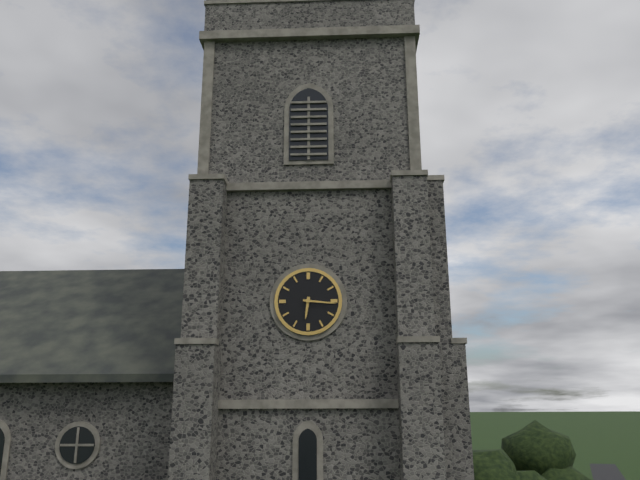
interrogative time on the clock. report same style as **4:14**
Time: **6:16**
